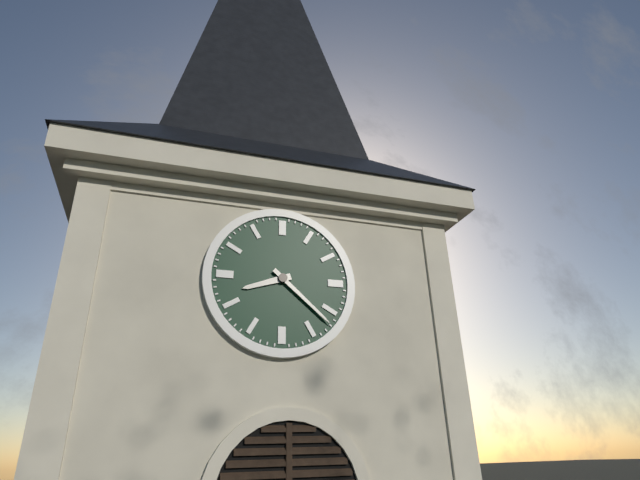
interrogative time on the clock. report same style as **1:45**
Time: **8:22**
